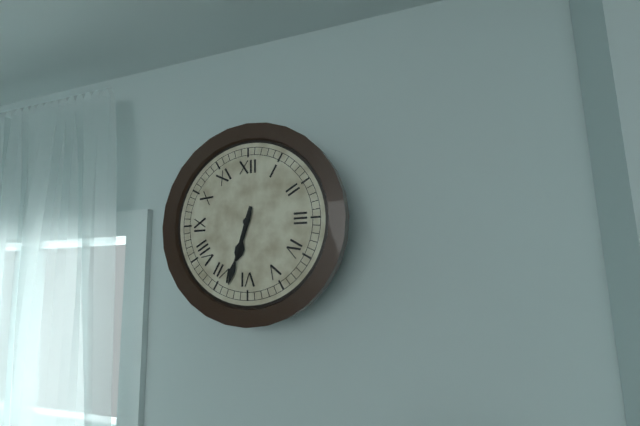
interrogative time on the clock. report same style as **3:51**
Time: **6:33**
